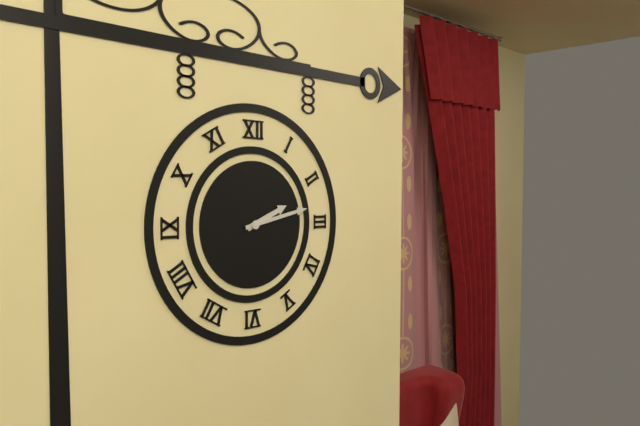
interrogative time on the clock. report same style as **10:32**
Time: **2:13**
